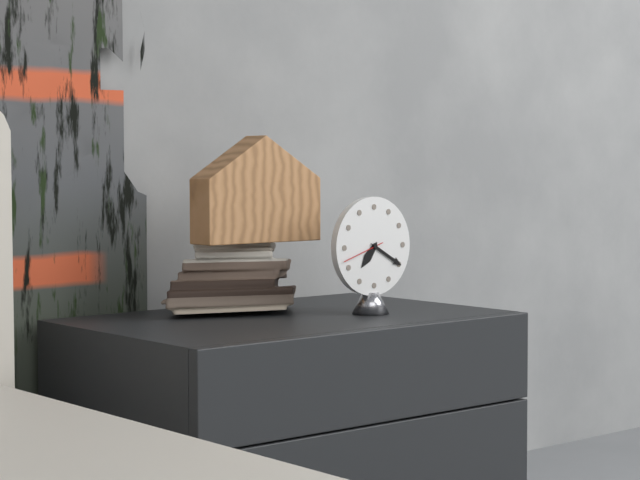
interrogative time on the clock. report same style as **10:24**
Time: **7:20**
